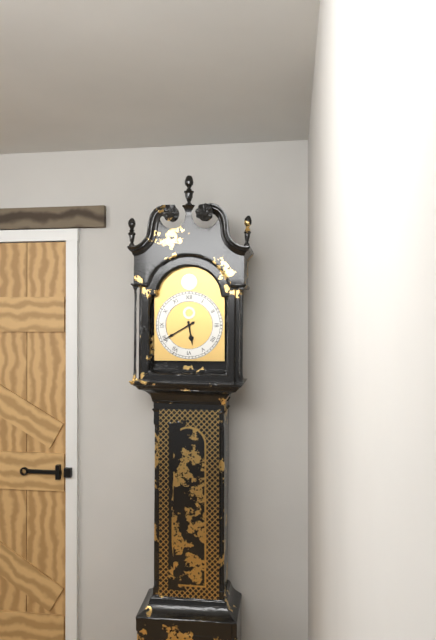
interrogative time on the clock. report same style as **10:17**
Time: **5:40**
